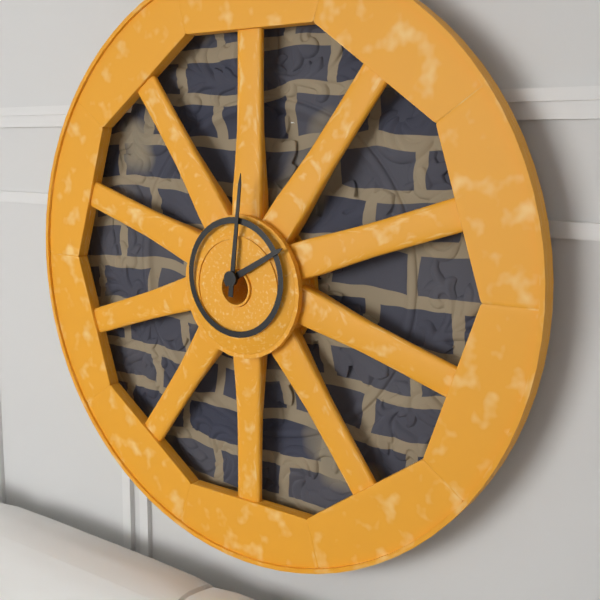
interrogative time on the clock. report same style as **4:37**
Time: **2:01**
